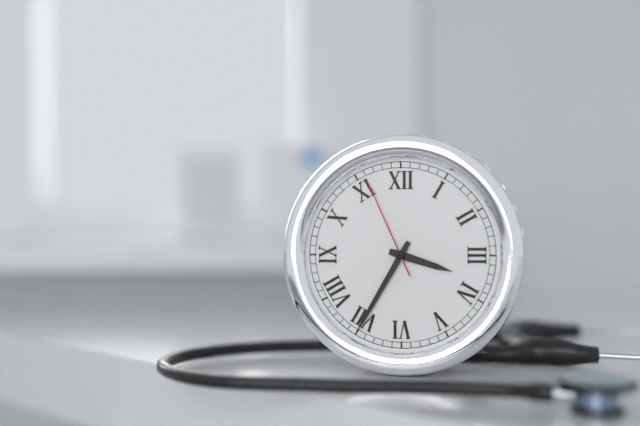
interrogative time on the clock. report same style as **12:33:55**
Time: **3:35:56**
